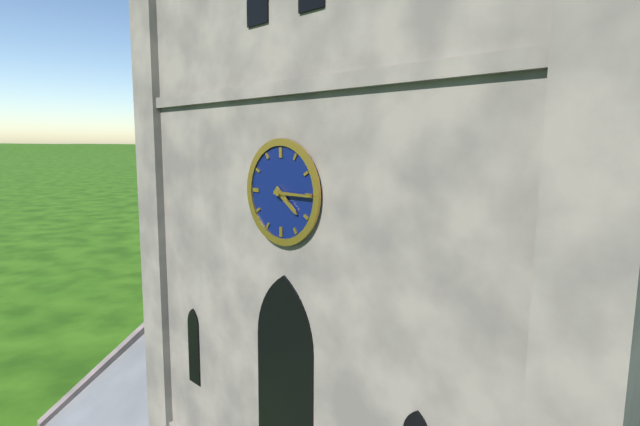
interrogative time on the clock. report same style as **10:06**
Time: **4:15**
